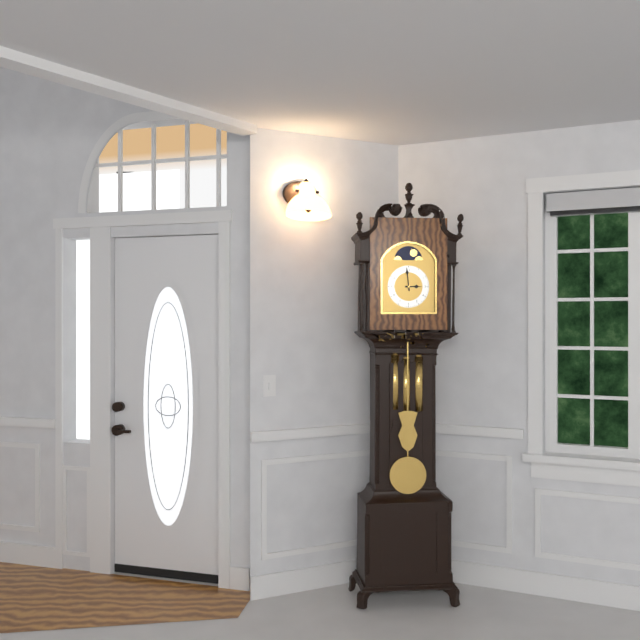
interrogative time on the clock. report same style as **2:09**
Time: **2:59**
